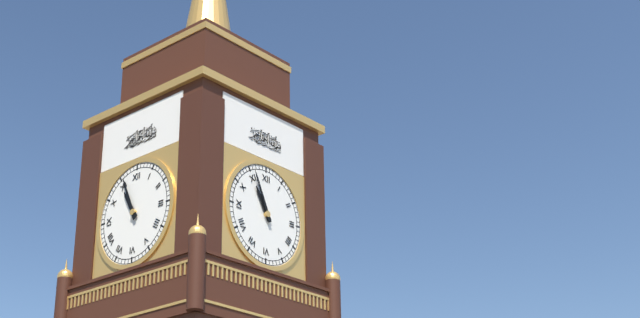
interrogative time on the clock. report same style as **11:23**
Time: **10:56**
